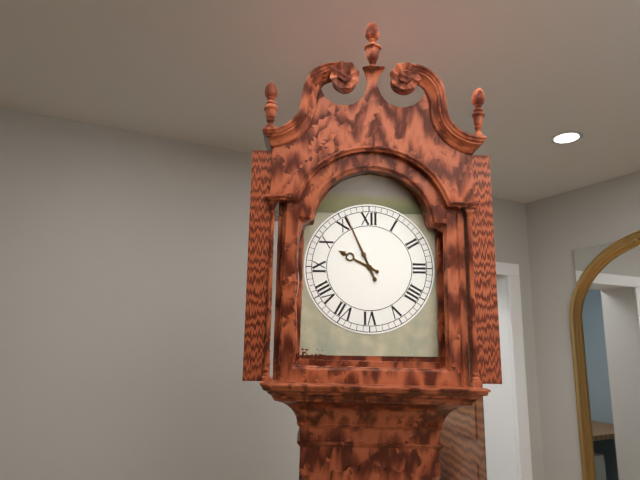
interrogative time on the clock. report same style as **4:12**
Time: **9:56**
